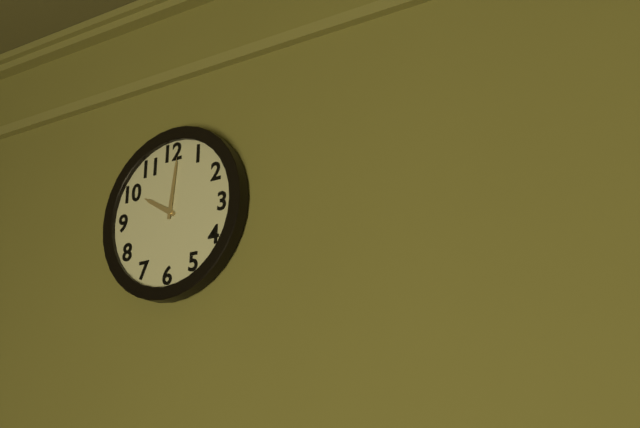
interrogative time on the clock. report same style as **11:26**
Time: **10:01**
